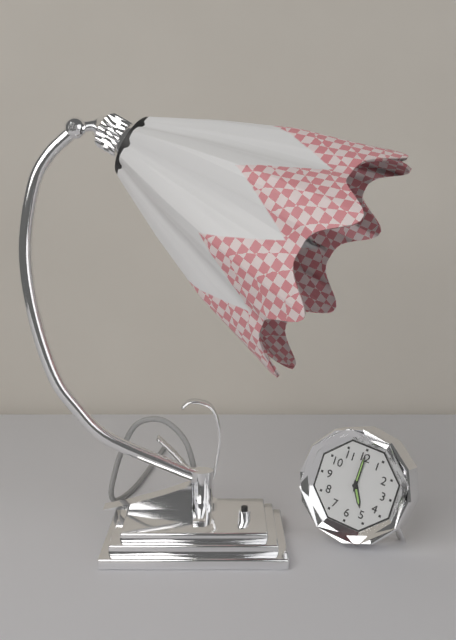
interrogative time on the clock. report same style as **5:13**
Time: **5:00**
